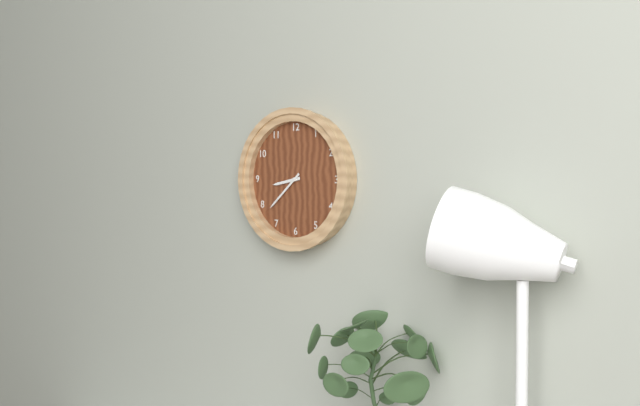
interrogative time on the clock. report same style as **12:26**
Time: **8:38**
